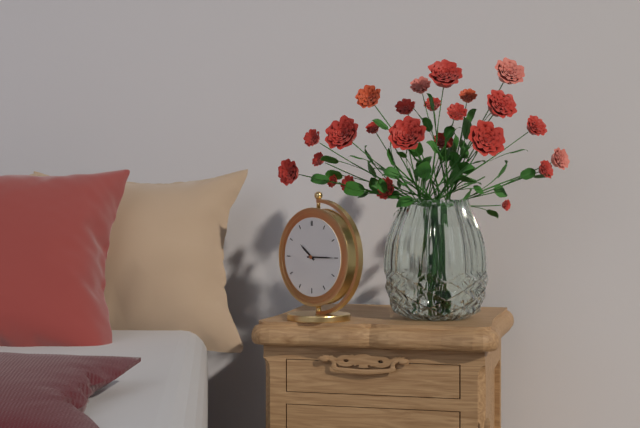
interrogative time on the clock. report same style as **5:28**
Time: **10:15**
